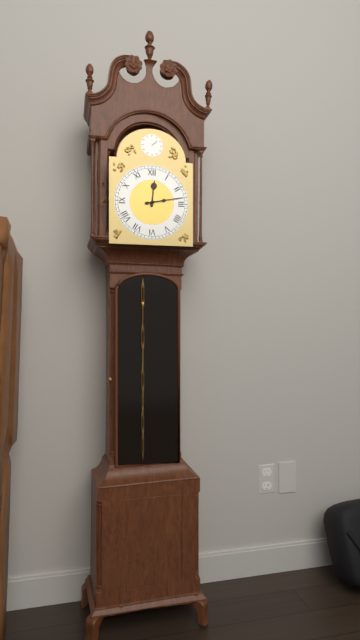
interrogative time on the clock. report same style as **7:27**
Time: **12:13**
